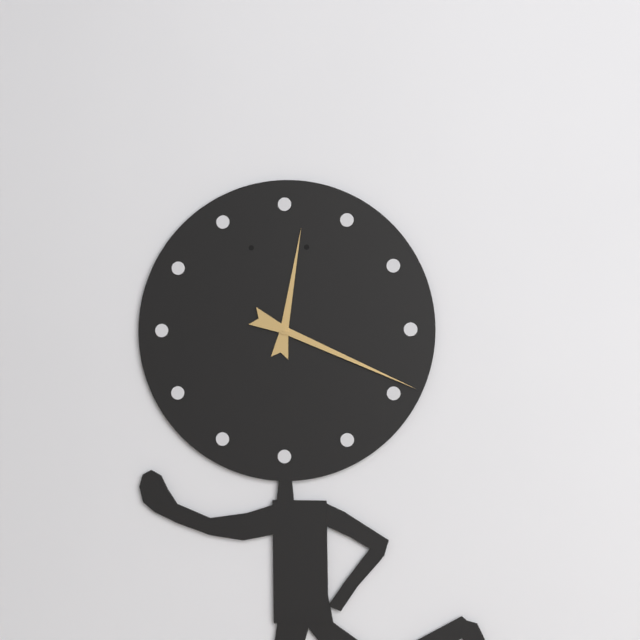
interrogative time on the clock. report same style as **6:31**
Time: **12:19**
